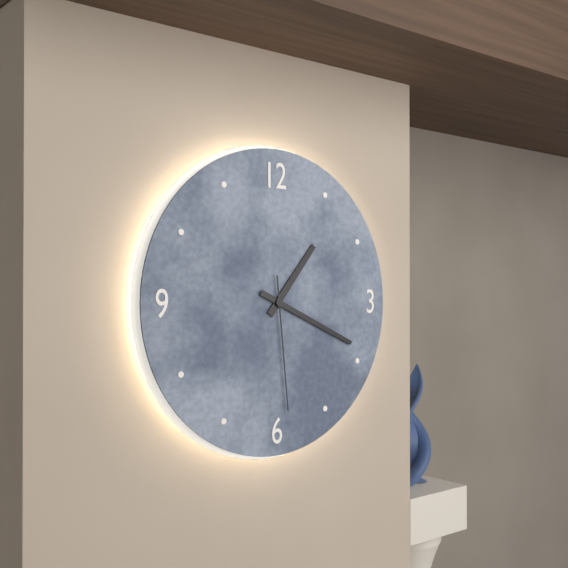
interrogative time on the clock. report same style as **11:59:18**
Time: **1:19:29**
